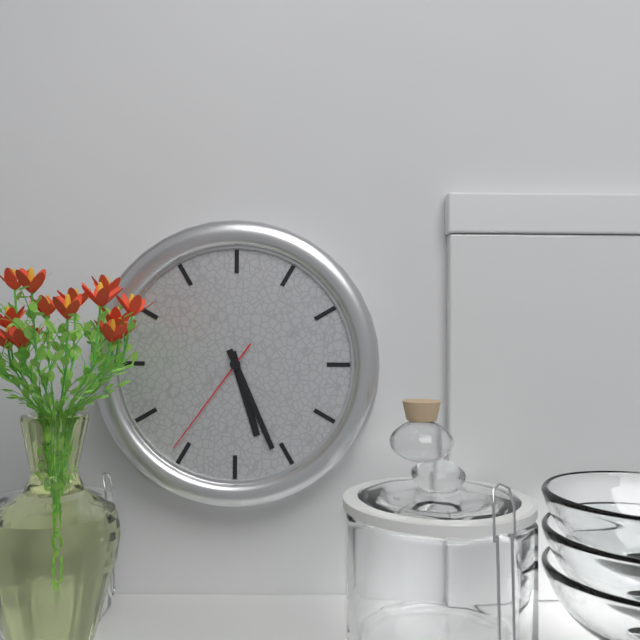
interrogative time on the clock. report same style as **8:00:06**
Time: **5:26:36**
